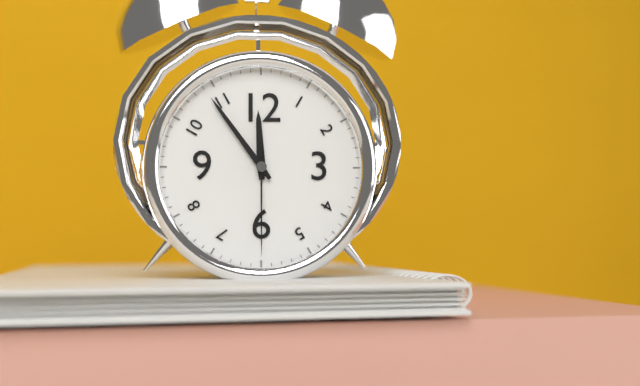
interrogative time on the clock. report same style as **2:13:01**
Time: **11:54:30**
